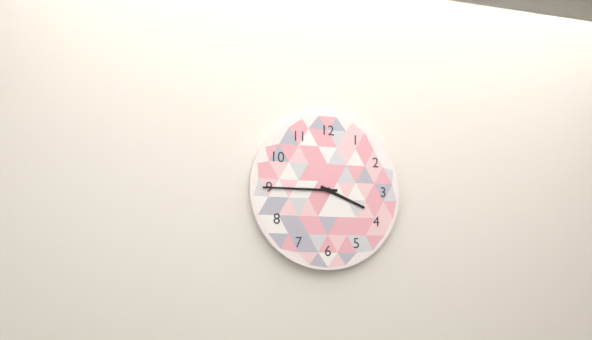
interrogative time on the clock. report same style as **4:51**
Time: **3:45**
